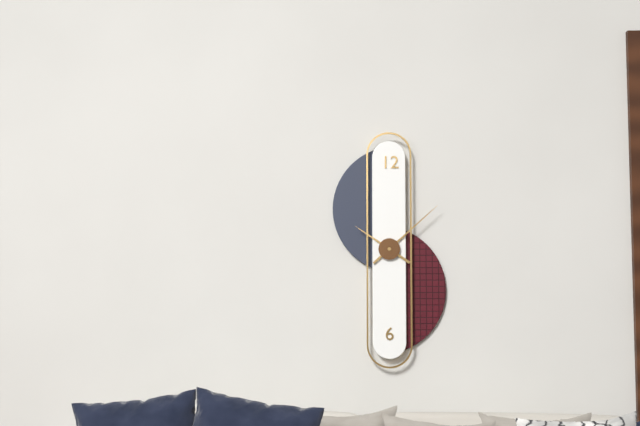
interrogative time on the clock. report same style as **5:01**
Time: **10:08**
